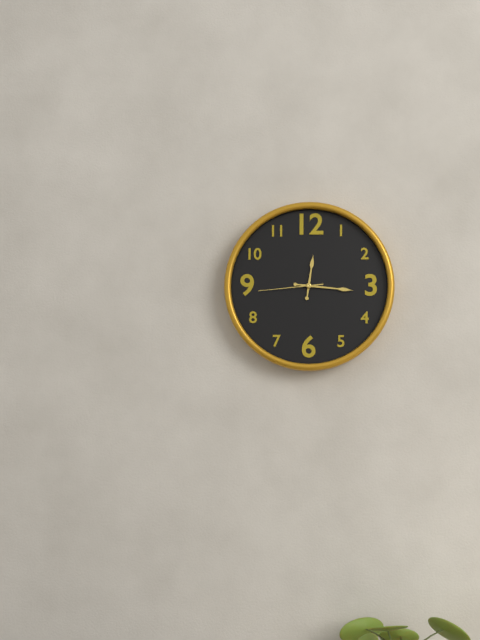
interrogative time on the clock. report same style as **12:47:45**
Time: **12:16:44**
